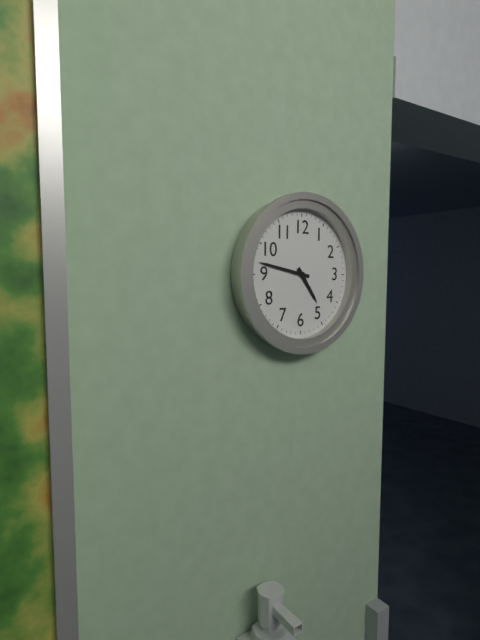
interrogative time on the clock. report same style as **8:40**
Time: **4:47**
